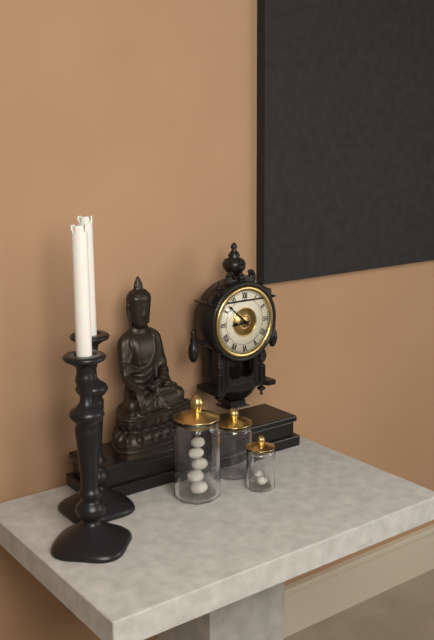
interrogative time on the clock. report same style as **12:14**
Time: **8:52**
